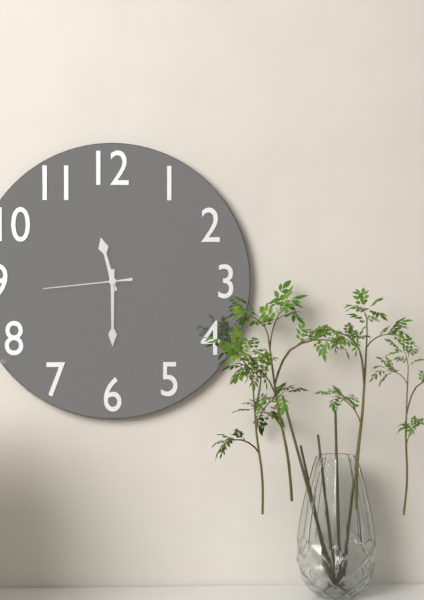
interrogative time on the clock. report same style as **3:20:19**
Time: **11:30:44**
